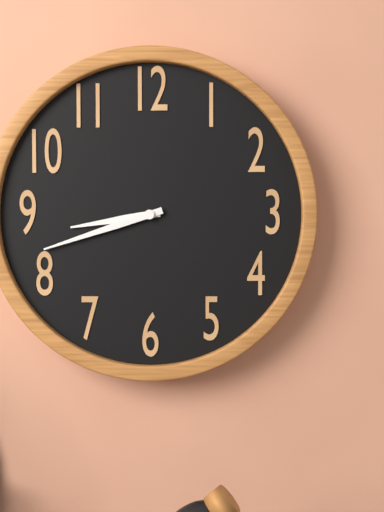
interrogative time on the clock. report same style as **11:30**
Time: **8:42**
